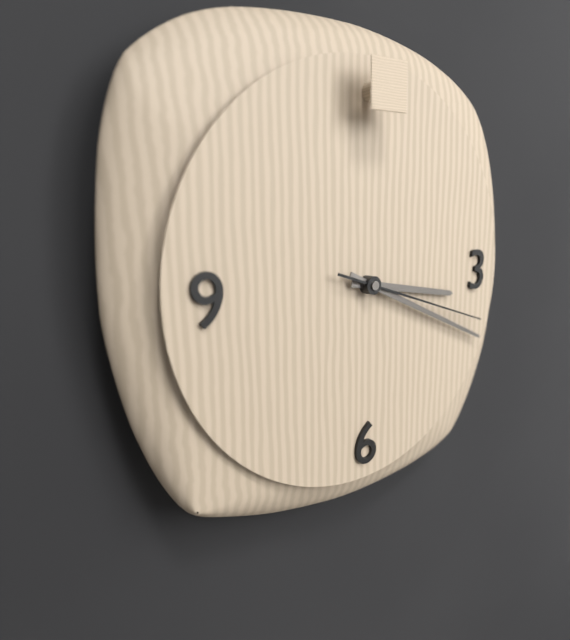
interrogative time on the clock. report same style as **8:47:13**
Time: **3:19:18**
